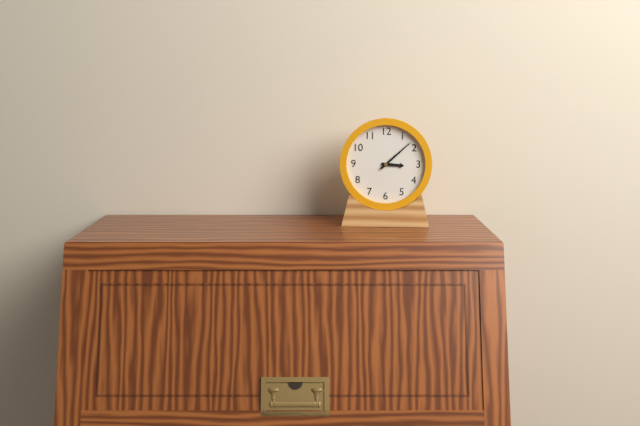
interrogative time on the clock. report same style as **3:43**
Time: **3:08**
